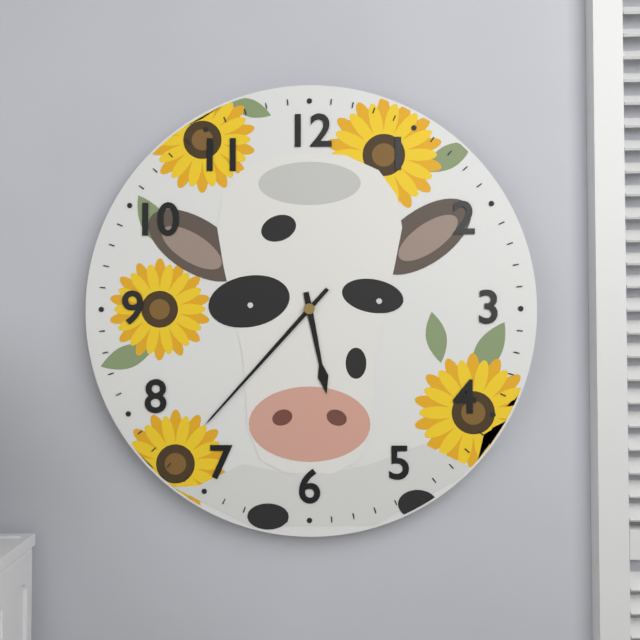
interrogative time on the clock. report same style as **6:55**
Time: **5:37**
